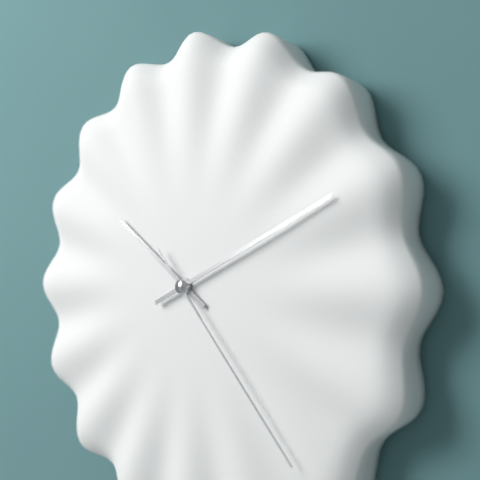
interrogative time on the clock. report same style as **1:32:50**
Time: **10:11:23**
